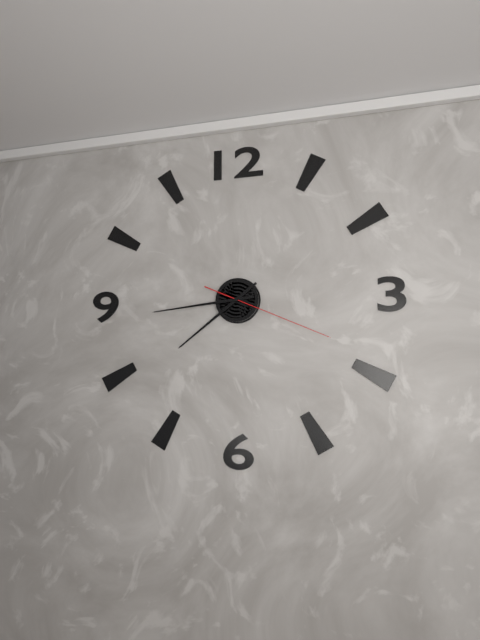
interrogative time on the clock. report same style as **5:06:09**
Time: **7:44:19**
